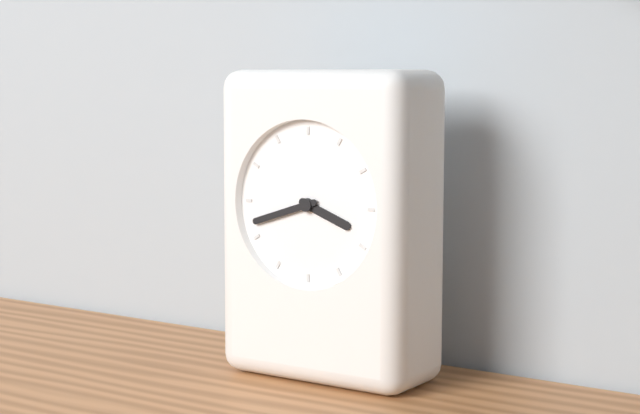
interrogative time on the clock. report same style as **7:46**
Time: **3:42**
